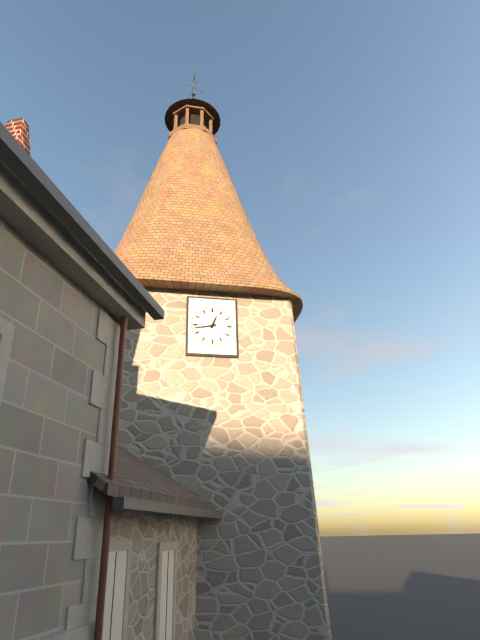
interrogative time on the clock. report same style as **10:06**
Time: **12:43**
